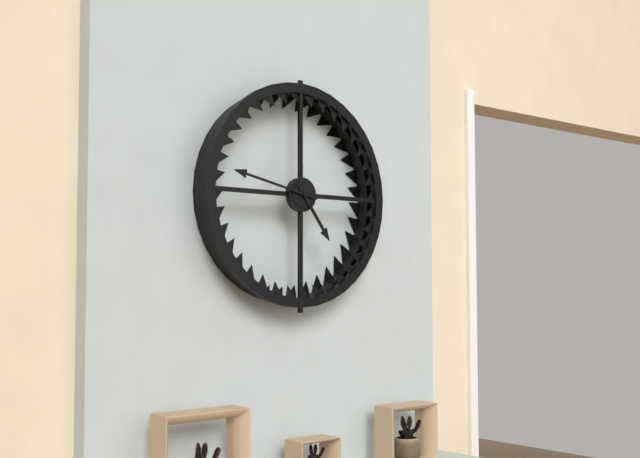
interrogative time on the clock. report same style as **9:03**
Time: **4:47**
